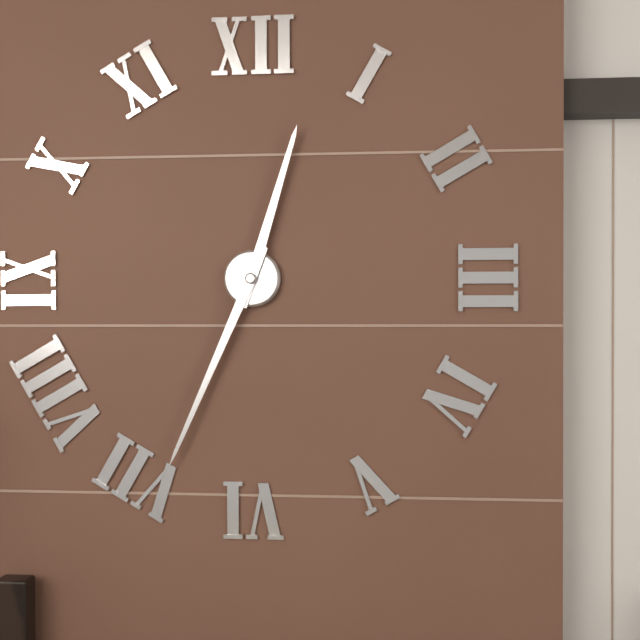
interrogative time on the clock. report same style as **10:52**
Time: **12:34**
